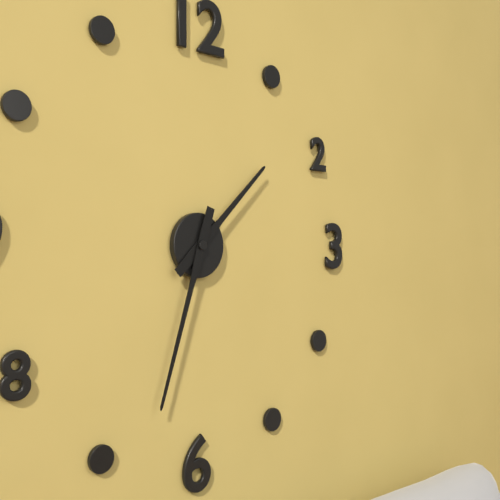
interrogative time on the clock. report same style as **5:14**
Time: **1:33**
